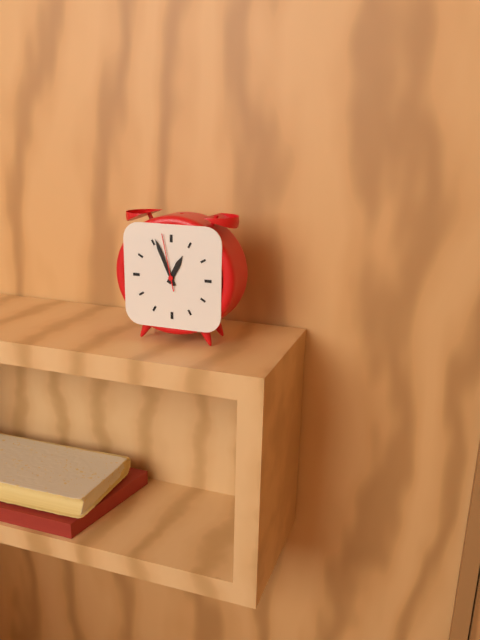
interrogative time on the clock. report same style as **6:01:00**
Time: **12:56:58**
